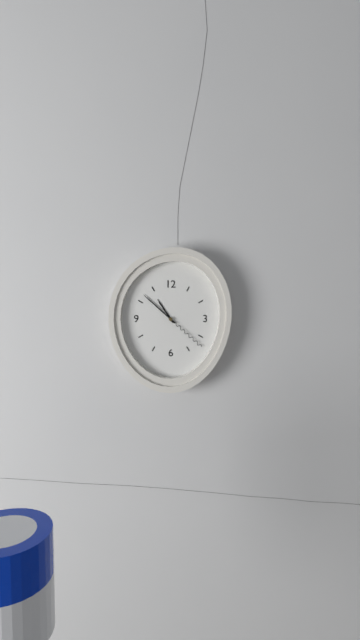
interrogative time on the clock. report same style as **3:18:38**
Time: **10:52:22**
